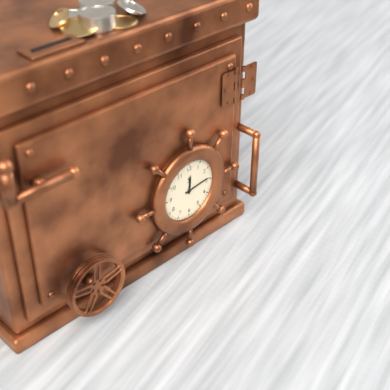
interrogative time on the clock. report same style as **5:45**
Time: **12:14**
